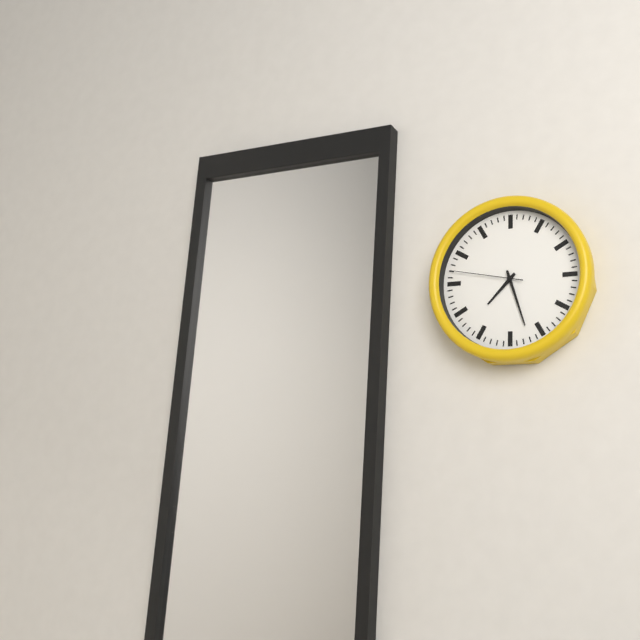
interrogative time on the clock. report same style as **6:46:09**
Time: **7:27:47**
